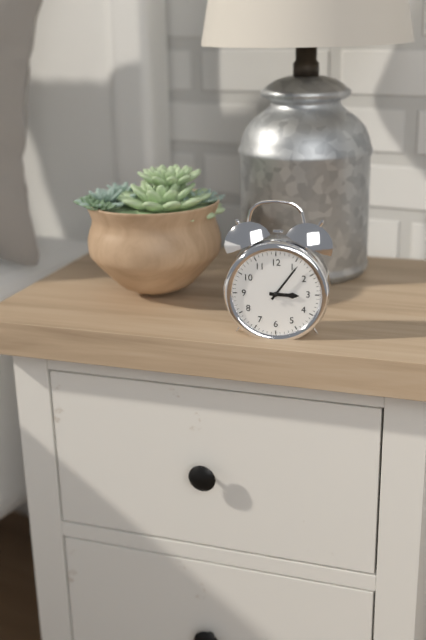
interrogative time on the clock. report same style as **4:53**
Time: **3:06**
